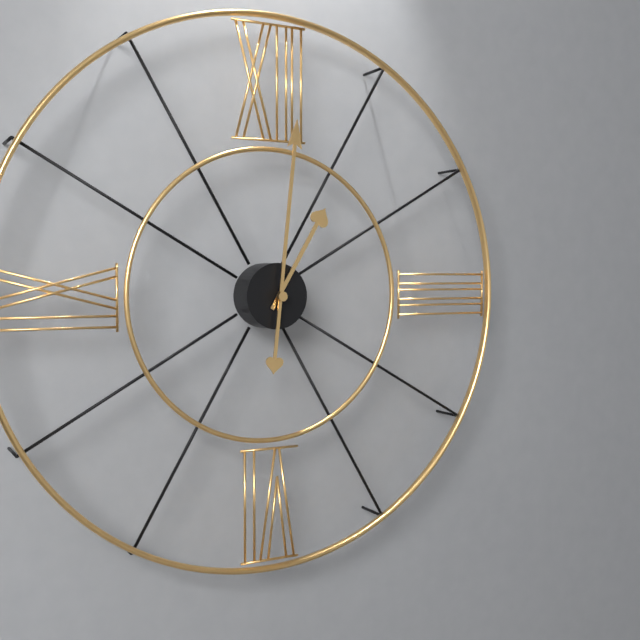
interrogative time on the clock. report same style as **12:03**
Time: **1:01**
